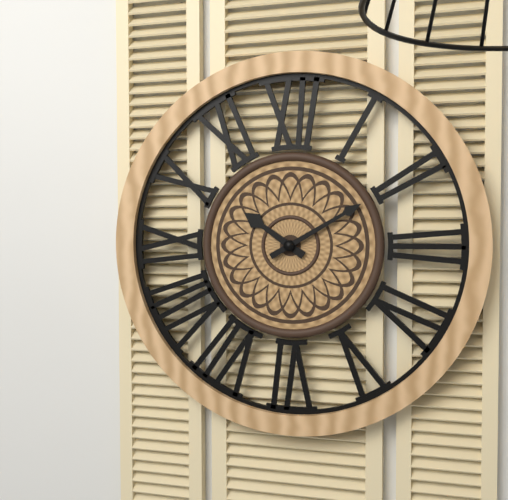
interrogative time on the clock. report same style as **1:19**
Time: **10:10**
